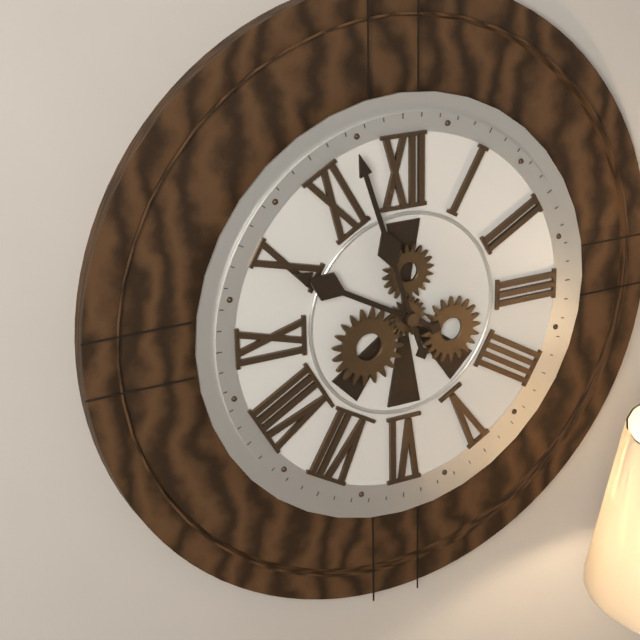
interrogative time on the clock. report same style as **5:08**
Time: **9:57**
